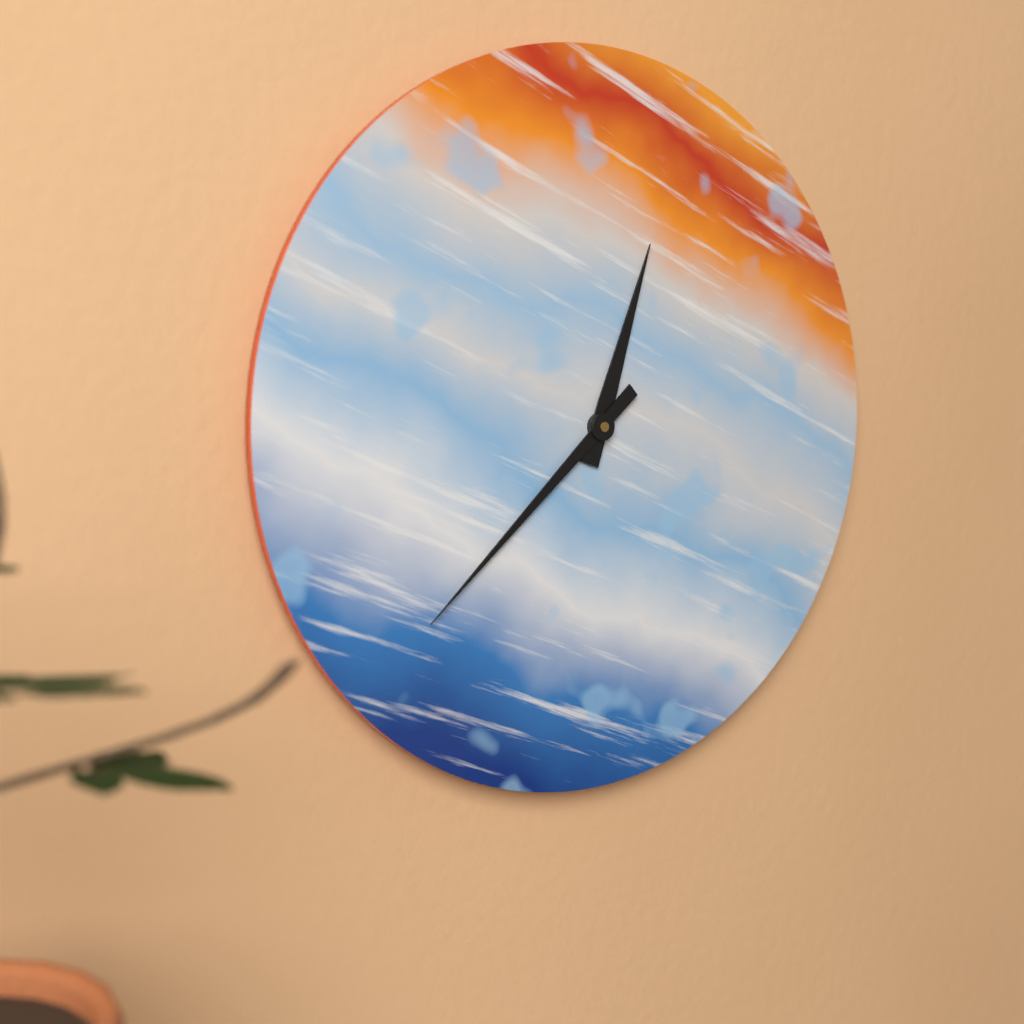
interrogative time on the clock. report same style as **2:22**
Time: **12:38**
